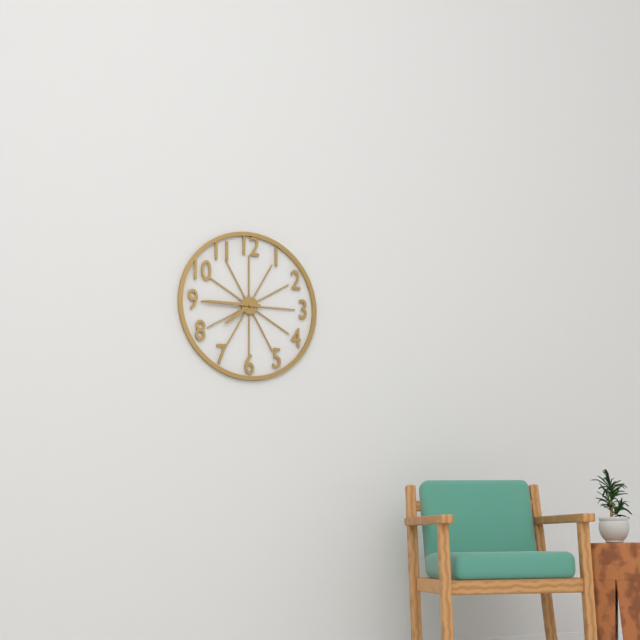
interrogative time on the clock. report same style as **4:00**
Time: **7:45**
